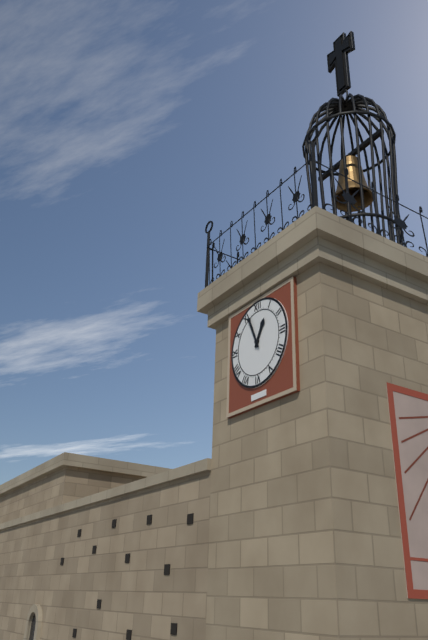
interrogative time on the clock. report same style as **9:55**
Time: **12:56**
